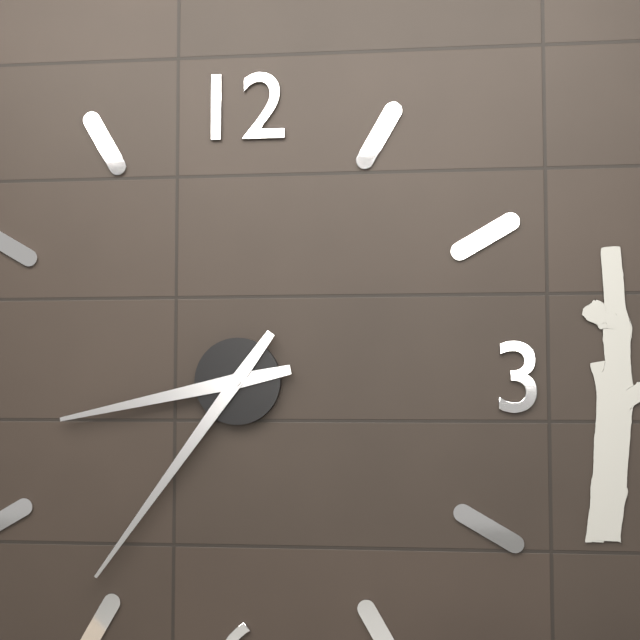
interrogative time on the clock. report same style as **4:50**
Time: **8:36**
